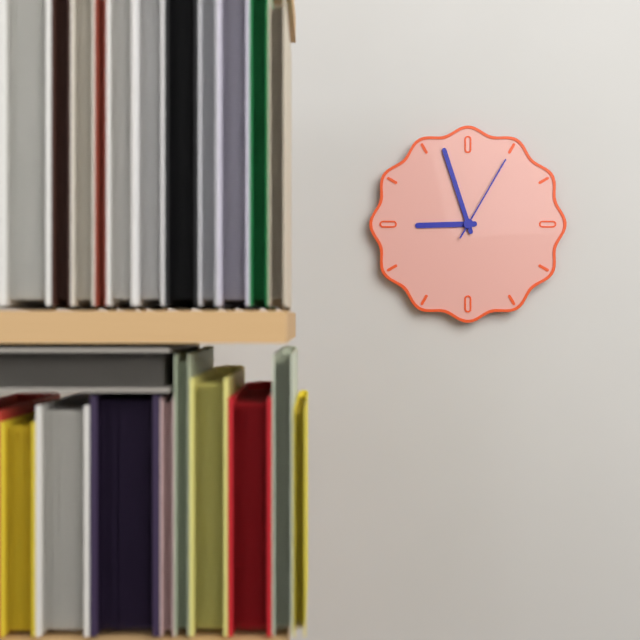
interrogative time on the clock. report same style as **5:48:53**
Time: **8:57:05**
